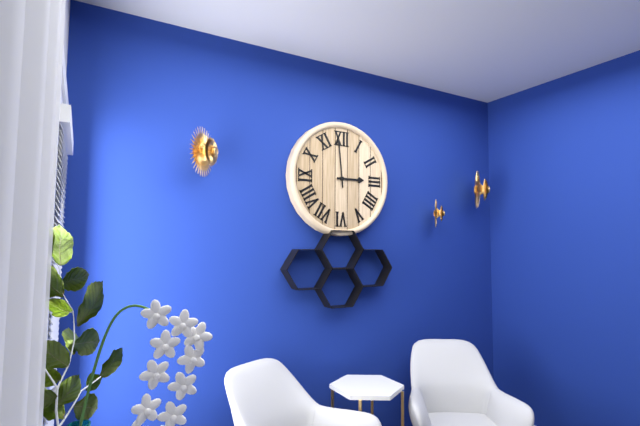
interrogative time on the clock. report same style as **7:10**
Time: **2:59**
